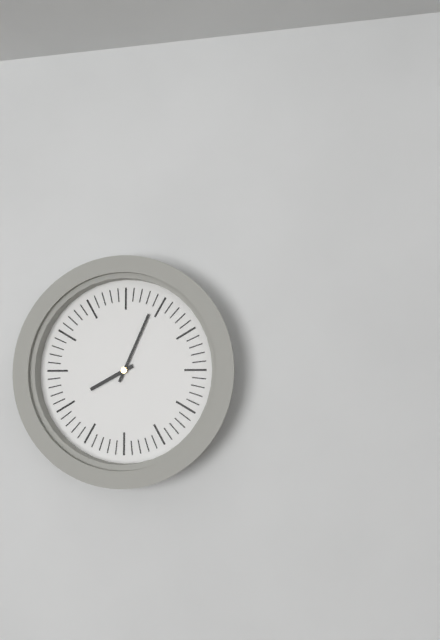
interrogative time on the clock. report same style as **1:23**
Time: **8:04**
